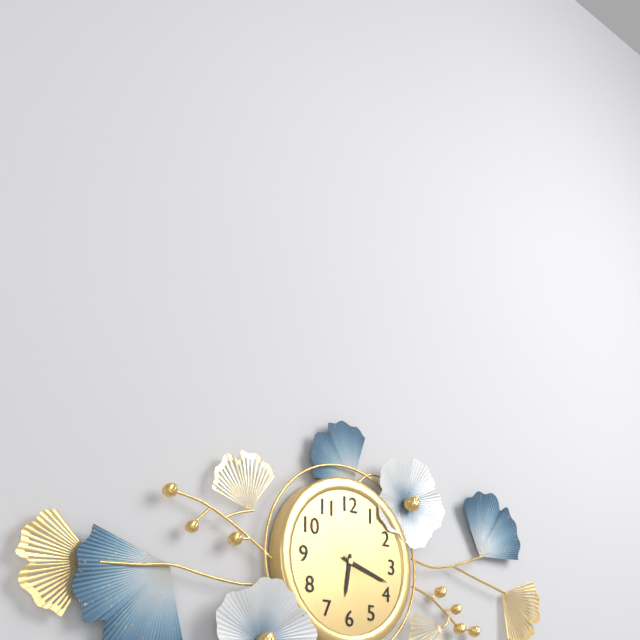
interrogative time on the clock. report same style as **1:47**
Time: **6:18**
